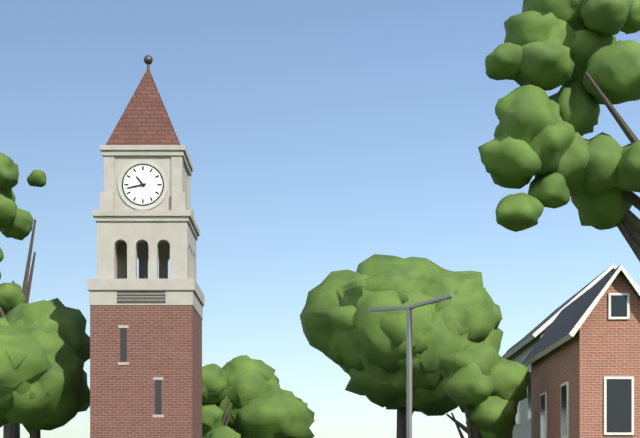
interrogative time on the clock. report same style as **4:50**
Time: **10:43**
